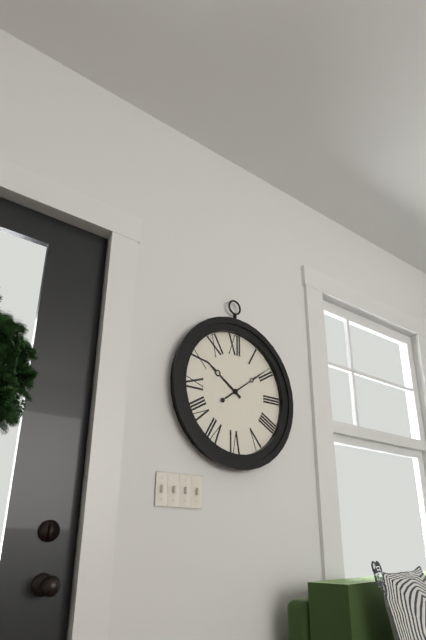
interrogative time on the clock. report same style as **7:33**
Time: **10:09**
